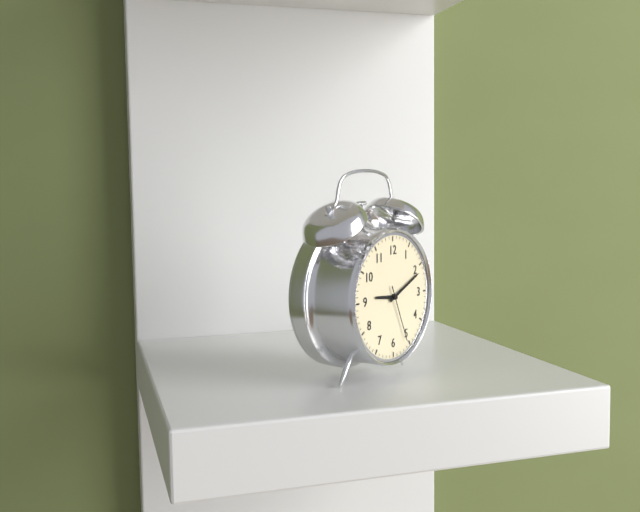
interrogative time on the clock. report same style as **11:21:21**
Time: **9:11:26**
